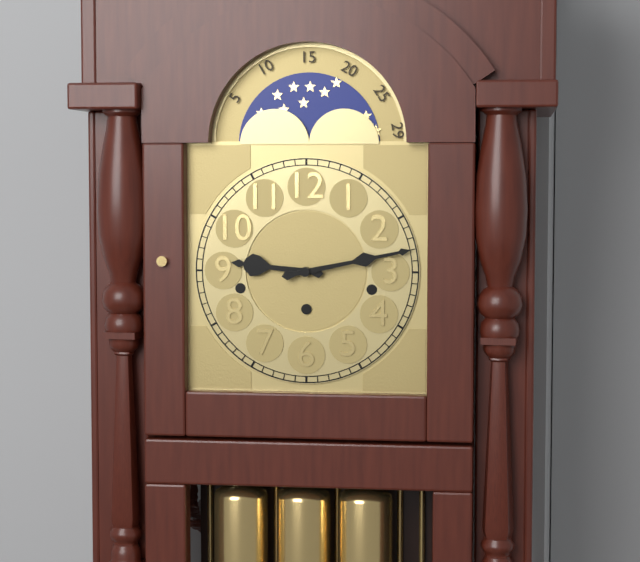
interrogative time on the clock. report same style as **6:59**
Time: **9:13**
